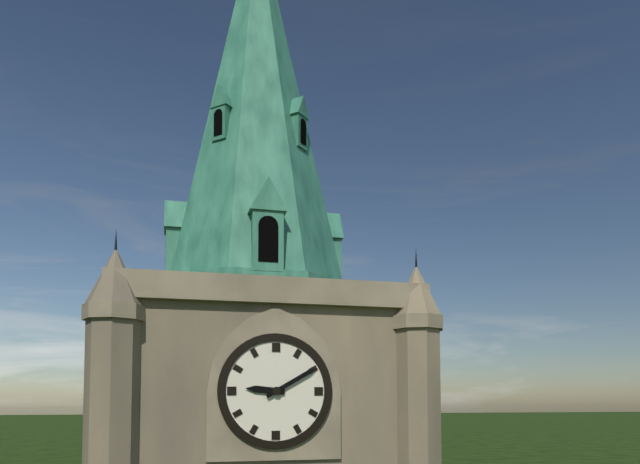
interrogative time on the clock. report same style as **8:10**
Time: **9:10**
